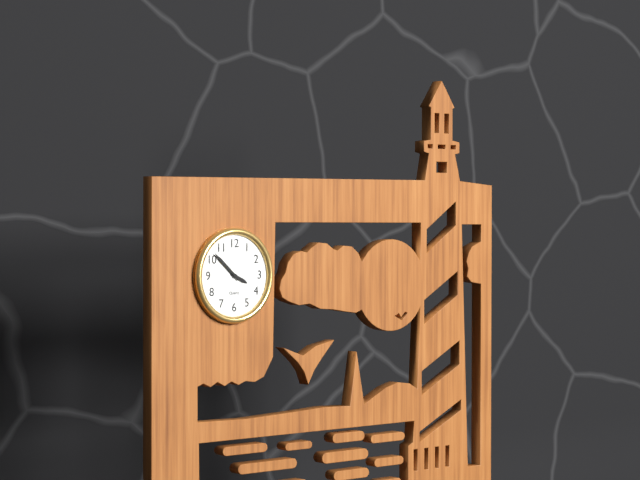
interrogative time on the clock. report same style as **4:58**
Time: **3:52**
